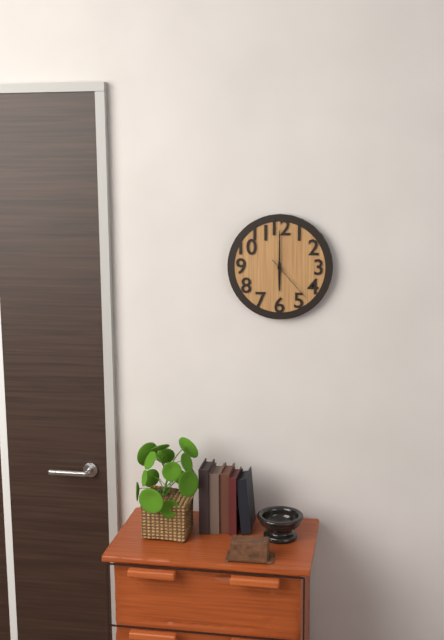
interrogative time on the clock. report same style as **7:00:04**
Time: **6:00:23**
